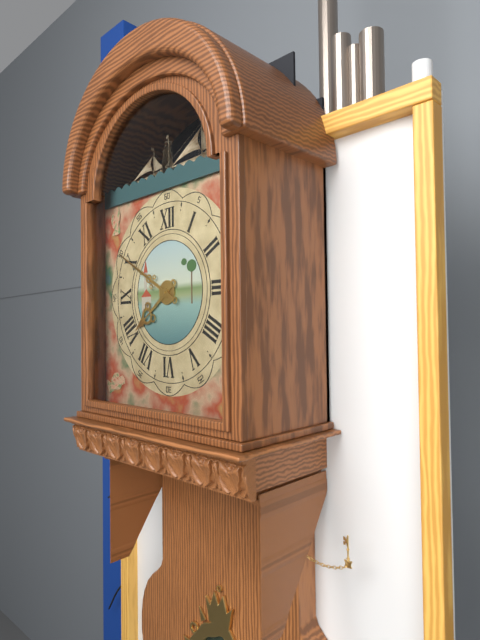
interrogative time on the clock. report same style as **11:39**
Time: **7:50**
